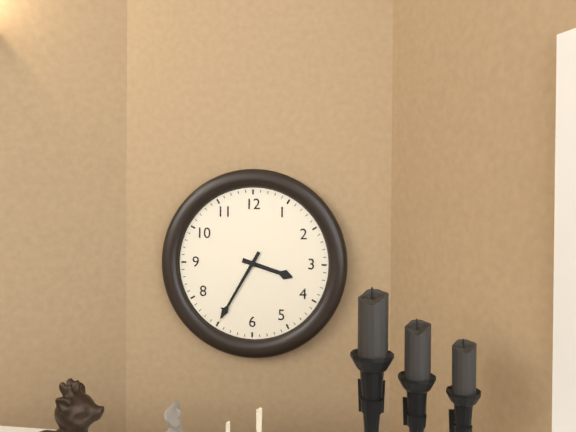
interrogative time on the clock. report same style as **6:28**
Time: **3:35**
